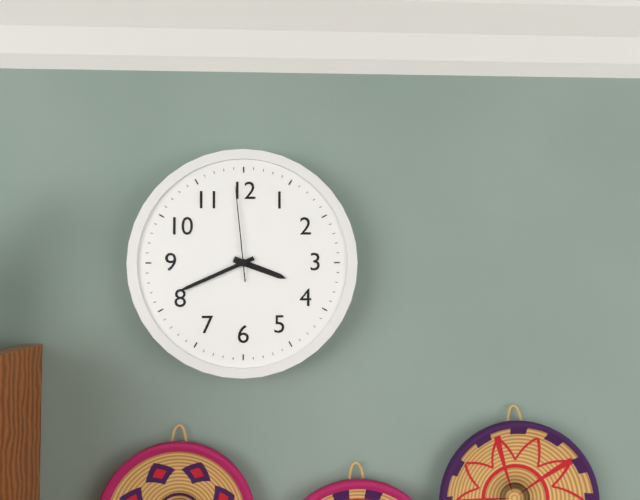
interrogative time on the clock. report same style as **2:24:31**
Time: **3:41:59**
